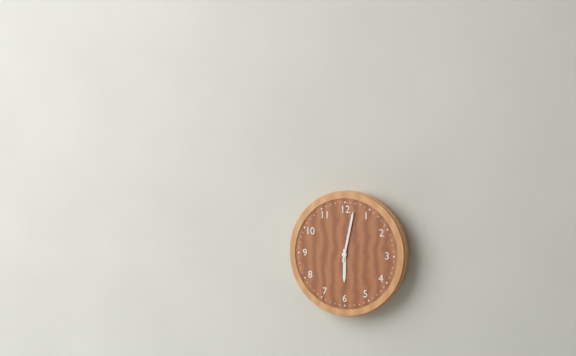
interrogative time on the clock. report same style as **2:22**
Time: **6:02**
